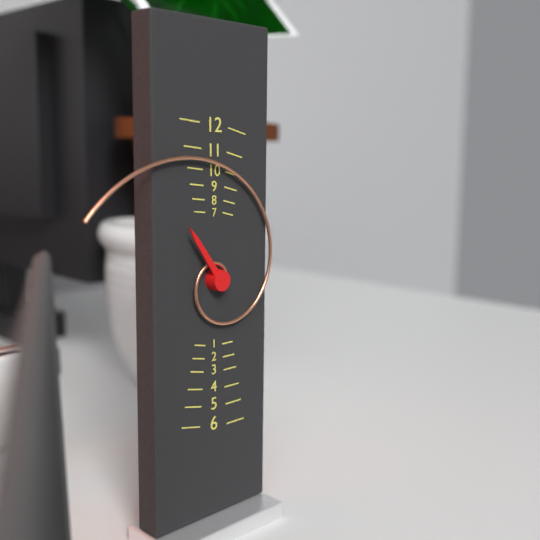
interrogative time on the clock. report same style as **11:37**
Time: **10:49**
